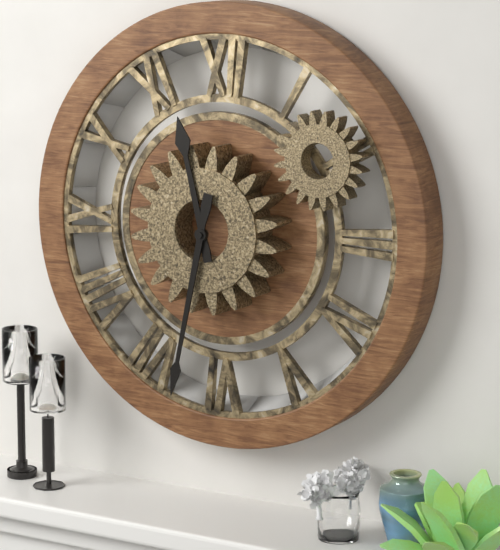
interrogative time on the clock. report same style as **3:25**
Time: **11:32**
